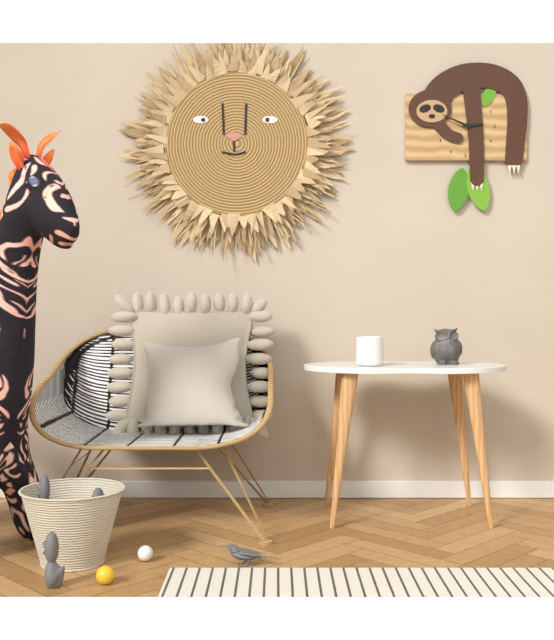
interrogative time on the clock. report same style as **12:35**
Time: **2:49**
